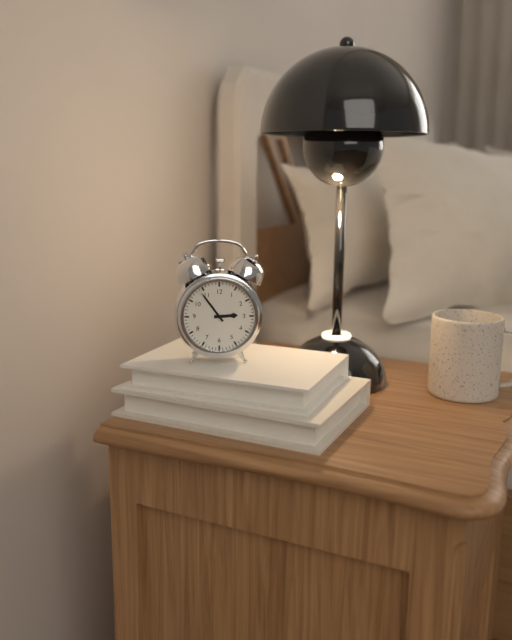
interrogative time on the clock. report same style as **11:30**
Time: **2:54**
